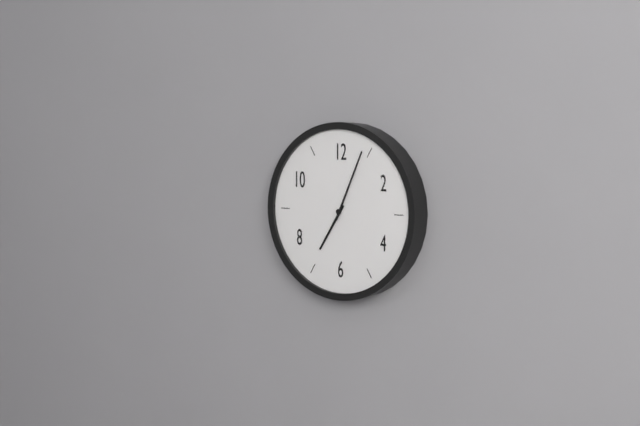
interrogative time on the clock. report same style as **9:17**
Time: **7:04**
